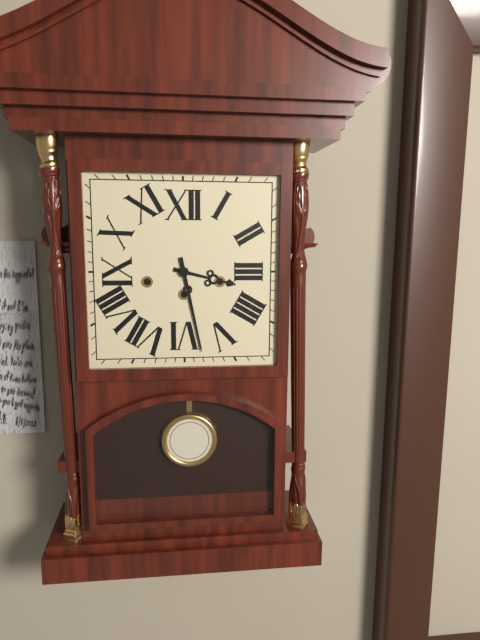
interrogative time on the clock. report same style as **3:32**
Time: **3:28**
